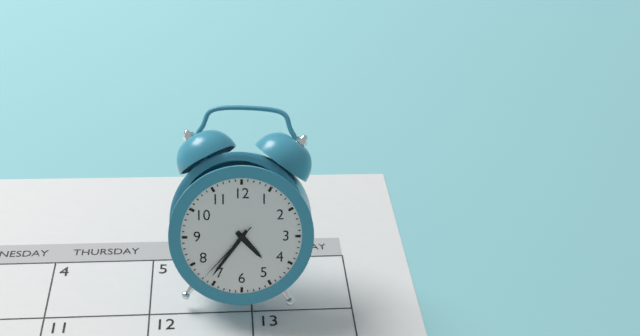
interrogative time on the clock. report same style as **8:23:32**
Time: **4:36:37**
